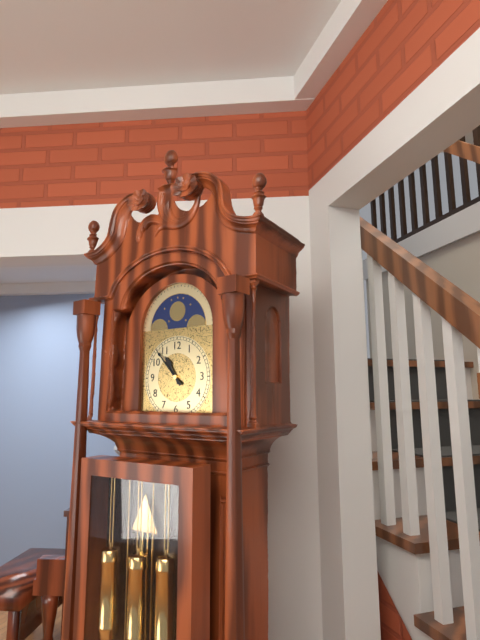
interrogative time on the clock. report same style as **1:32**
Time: **10:53**
